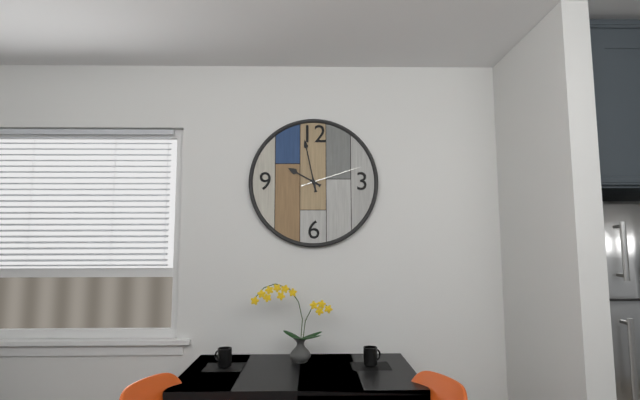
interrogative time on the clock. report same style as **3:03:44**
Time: **9:58:12**
